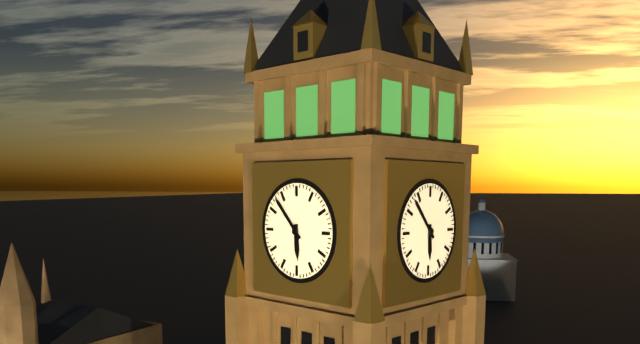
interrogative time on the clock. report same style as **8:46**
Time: **5:53**
